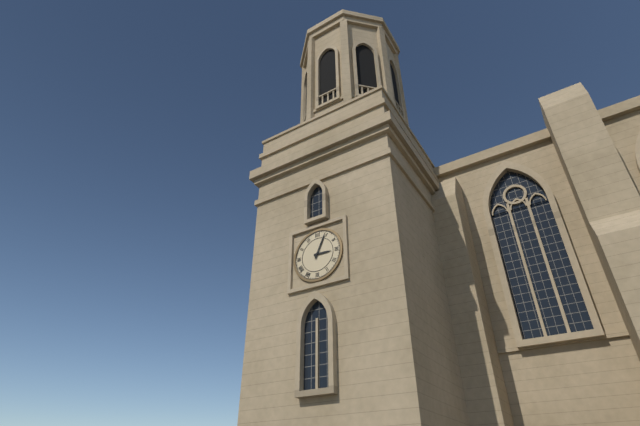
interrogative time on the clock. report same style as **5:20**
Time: **3:04**
